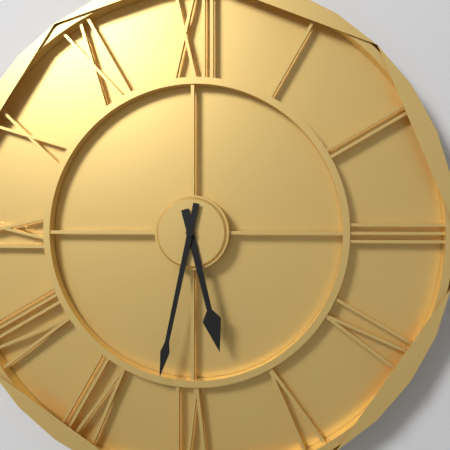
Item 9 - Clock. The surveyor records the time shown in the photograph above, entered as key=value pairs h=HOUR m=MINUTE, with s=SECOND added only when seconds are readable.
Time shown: h=5 m=32
